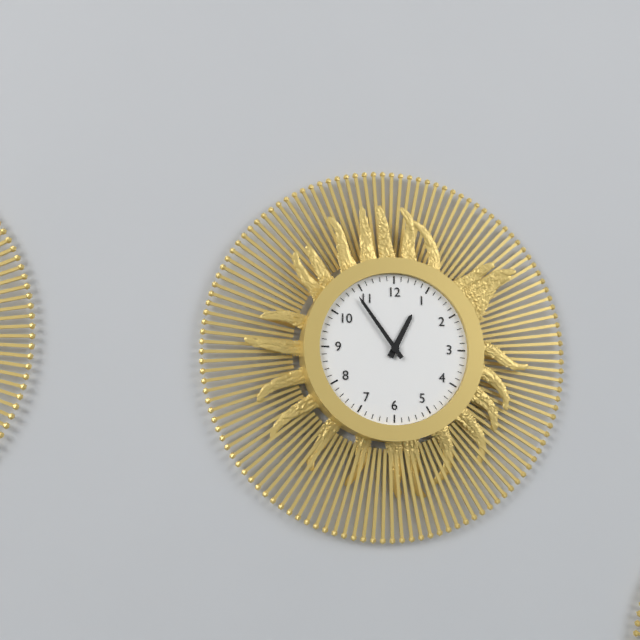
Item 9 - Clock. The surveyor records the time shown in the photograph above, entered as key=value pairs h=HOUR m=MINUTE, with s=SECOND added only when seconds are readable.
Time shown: h=12 m=54
